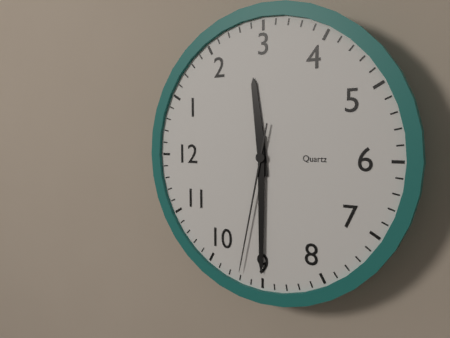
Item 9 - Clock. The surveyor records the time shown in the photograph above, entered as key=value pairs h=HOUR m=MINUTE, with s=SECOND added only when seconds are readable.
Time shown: h=2 m=45 s=47
